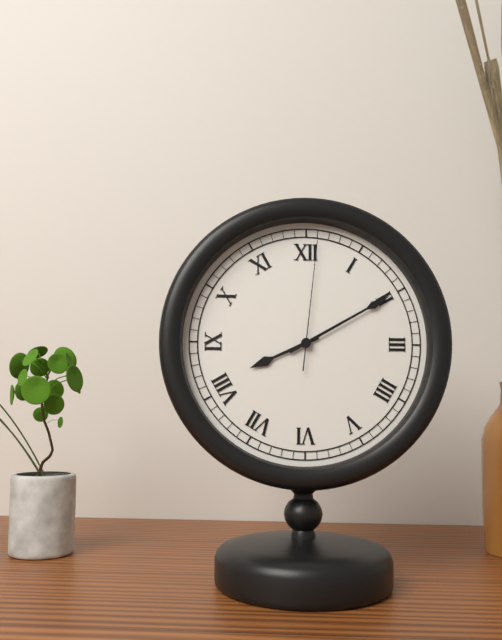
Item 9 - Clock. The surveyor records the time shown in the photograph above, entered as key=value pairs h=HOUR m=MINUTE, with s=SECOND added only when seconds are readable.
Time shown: h=8 m=10 s=1
